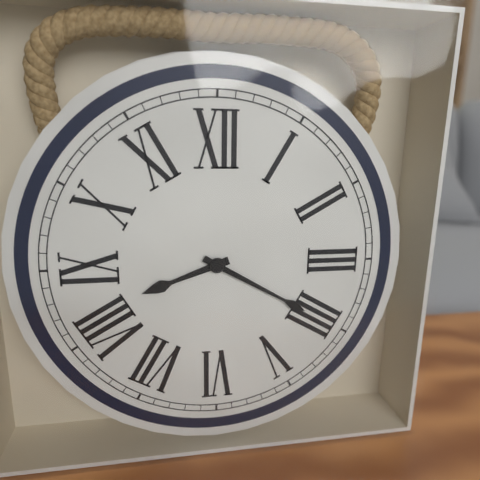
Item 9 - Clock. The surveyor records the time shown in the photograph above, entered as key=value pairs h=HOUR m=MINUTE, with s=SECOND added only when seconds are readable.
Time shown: h=8 m=20
